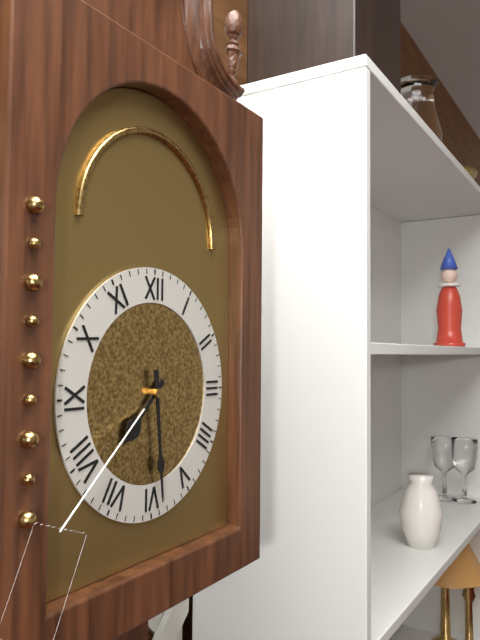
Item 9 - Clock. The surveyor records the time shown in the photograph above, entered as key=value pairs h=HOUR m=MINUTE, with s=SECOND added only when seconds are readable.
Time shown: h=7 m=29
